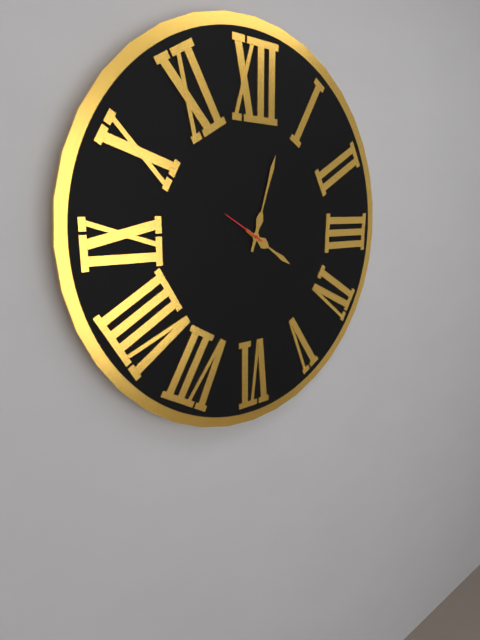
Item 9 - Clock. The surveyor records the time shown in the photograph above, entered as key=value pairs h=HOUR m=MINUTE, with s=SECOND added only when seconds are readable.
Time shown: h=4 m=3
